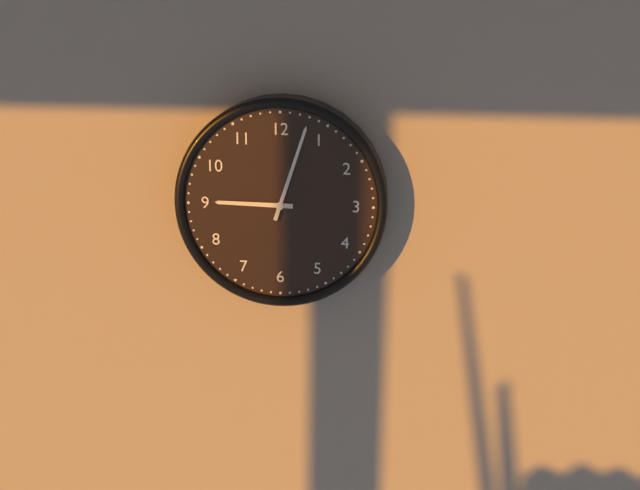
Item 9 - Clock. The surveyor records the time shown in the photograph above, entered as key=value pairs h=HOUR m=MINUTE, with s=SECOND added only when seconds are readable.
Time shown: h=9 m=3
